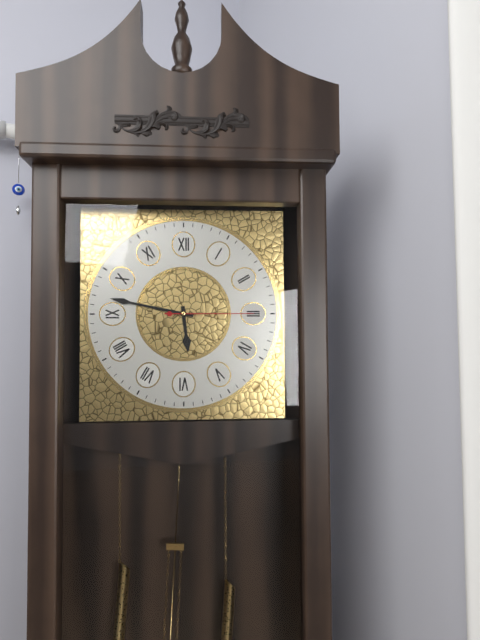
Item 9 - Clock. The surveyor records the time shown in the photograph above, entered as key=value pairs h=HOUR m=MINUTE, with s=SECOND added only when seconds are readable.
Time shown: h=5 m=47 s=15
